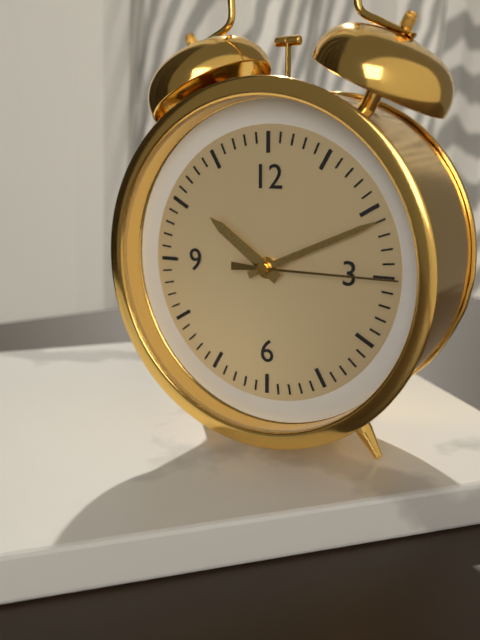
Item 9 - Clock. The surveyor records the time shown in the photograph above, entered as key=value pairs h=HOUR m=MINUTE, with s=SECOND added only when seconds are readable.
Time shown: h=10 m=11 s=15
